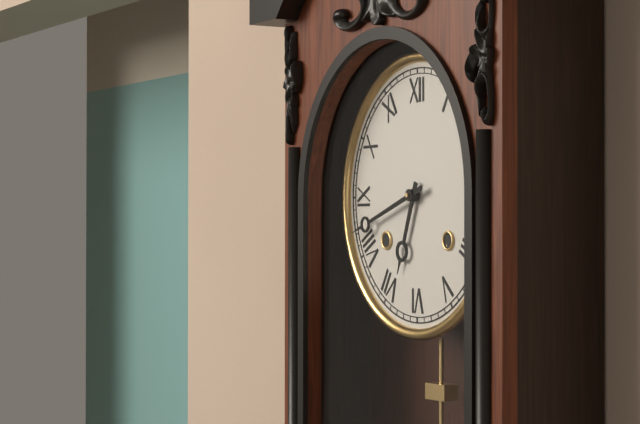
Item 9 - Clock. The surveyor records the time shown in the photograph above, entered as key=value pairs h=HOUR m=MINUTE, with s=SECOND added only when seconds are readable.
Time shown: h=6 m=42
